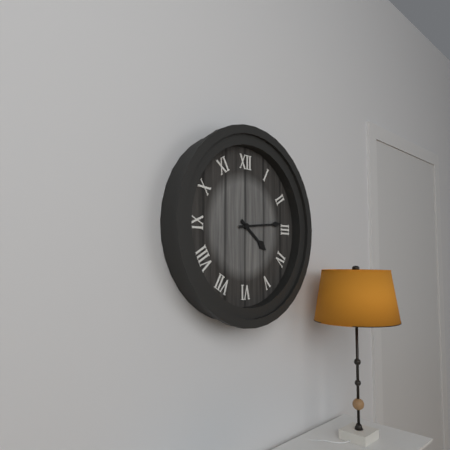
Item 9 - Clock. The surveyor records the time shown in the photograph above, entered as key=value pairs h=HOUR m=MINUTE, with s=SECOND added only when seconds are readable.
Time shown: h=4 m=14
